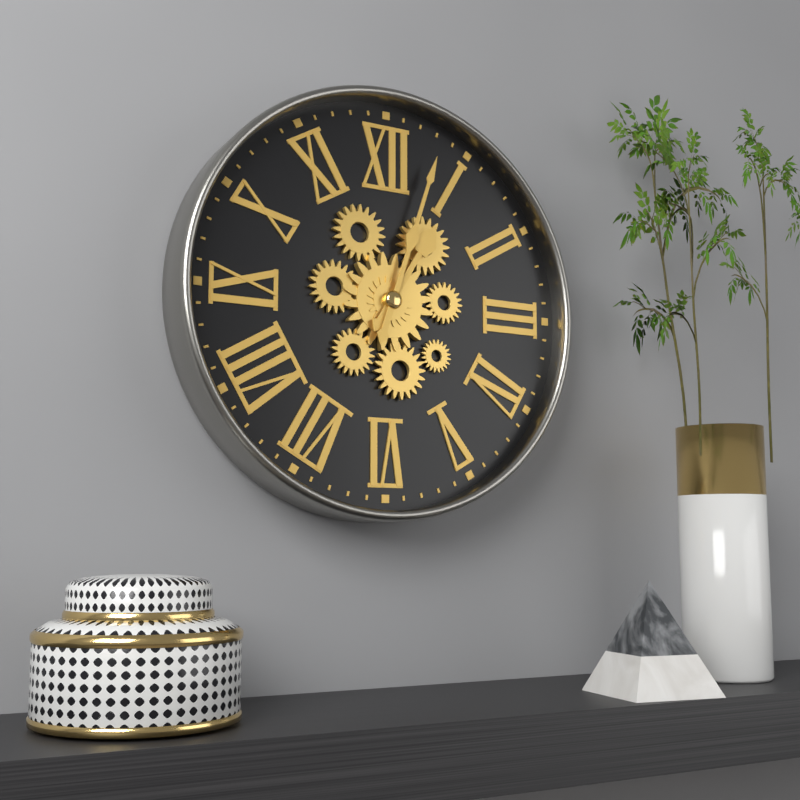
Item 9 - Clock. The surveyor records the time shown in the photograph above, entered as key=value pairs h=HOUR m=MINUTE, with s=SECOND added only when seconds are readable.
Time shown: h=1 m=3
